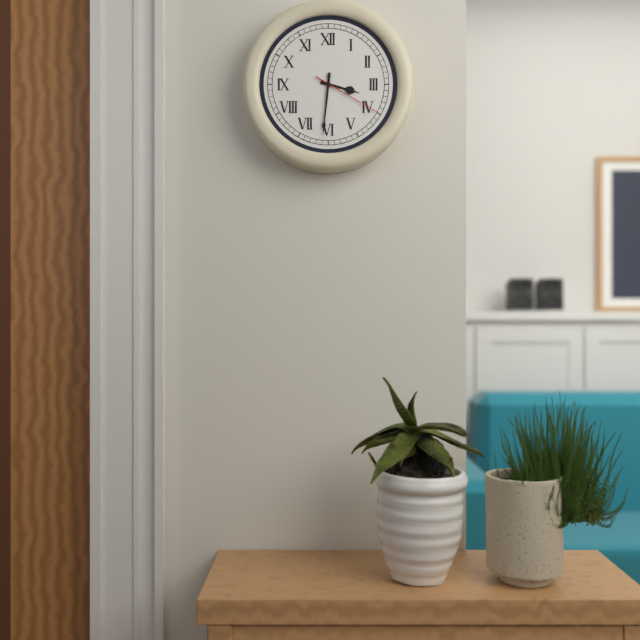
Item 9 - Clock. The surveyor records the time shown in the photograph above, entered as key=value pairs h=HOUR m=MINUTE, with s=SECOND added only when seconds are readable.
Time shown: h=3 m=31 s=20
